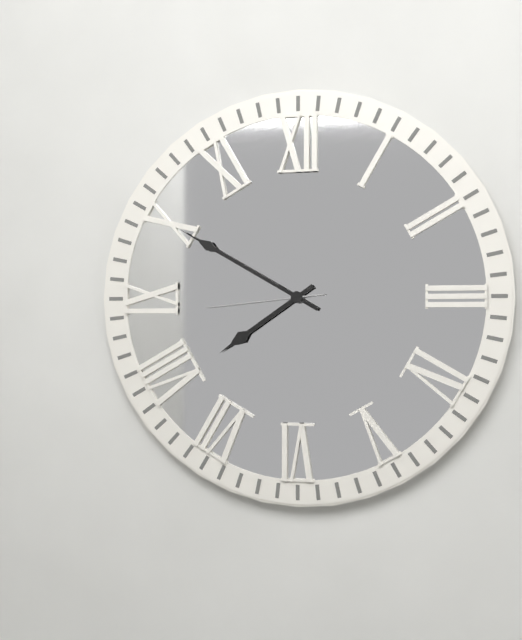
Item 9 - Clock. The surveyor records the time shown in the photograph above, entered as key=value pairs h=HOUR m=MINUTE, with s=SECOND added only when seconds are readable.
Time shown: h=7 m=50 s=44
